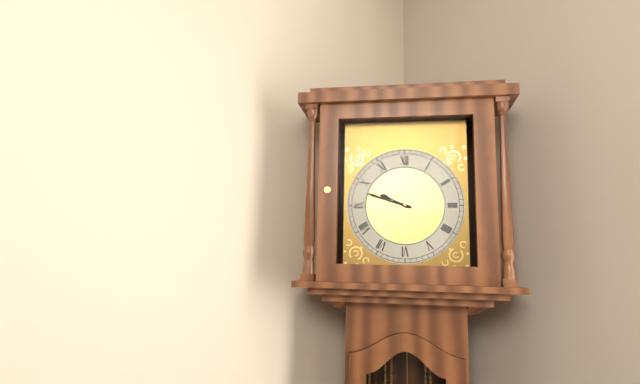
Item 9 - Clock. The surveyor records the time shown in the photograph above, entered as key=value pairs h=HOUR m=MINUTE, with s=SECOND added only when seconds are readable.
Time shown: h=9 m=48
